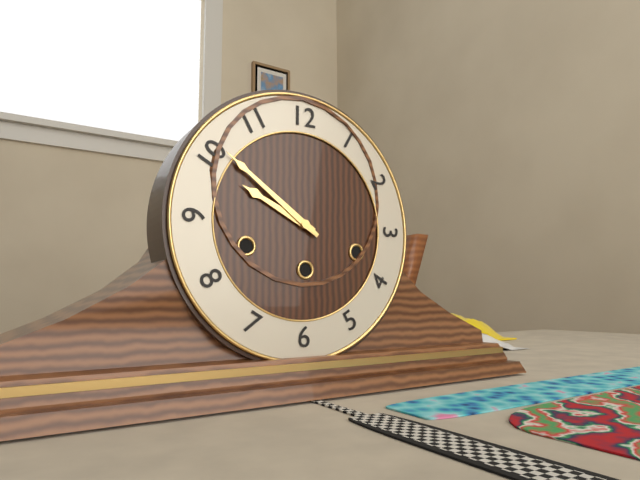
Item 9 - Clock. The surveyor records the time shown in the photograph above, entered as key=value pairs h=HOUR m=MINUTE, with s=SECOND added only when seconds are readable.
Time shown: h=9 m=51
